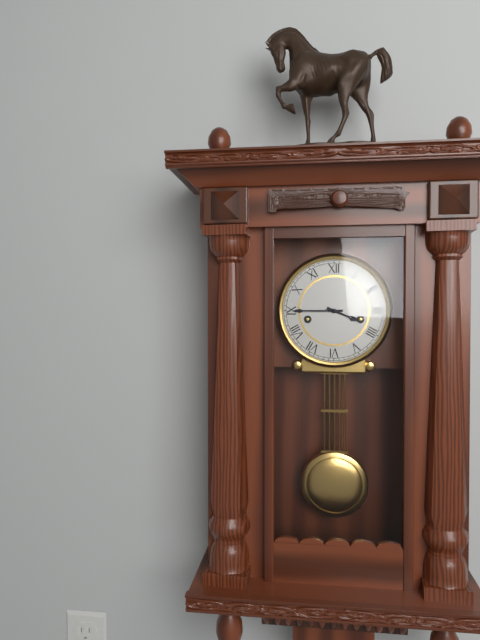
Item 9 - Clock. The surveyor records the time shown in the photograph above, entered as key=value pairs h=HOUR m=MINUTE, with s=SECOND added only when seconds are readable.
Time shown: h=3 m=45
